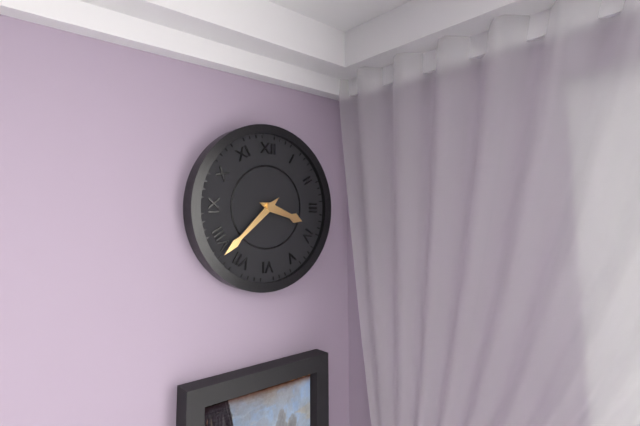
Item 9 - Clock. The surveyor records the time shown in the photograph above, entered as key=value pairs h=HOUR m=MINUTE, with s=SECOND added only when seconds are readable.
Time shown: h=3 m=38
